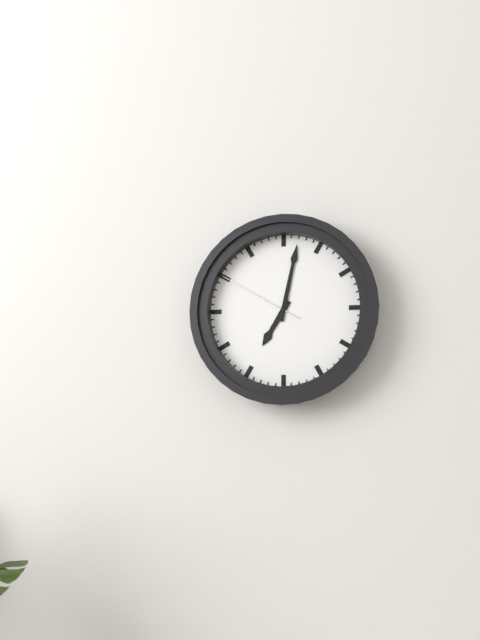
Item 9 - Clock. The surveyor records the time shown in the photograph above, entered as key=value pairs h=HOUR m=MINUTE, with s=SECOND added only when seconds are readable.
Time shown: h=7 m=2 s=50
